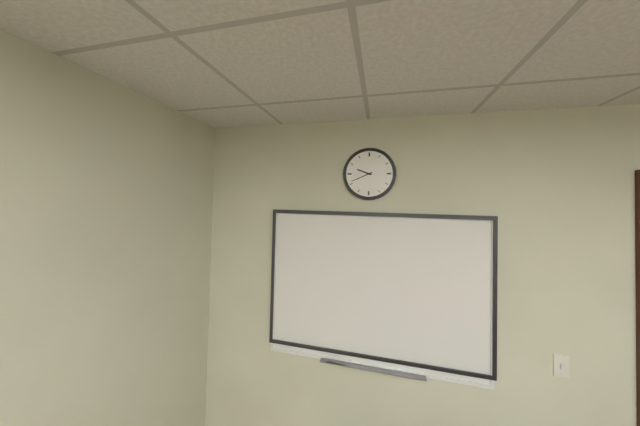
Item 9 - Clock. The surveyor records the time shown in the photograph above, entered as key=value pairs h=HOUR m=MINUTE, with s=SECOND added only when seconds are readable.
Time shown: h=9 m=41
